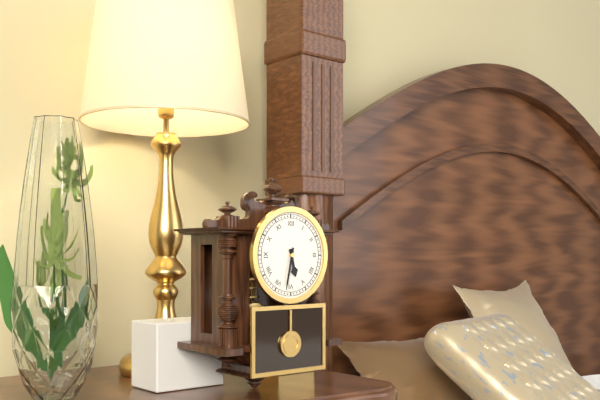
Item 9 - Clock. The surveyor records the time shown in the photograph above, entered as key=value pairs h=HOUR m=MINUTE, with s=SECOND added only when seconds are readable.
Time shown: h=5 m=32
